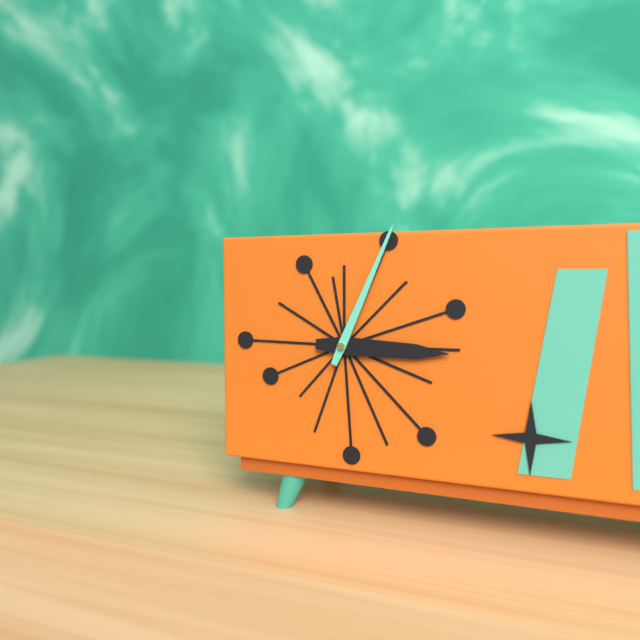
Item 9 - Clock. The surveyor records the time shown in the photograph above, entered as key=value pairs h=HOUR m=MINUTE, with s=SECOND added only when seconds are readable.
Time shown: h=3 m=4
